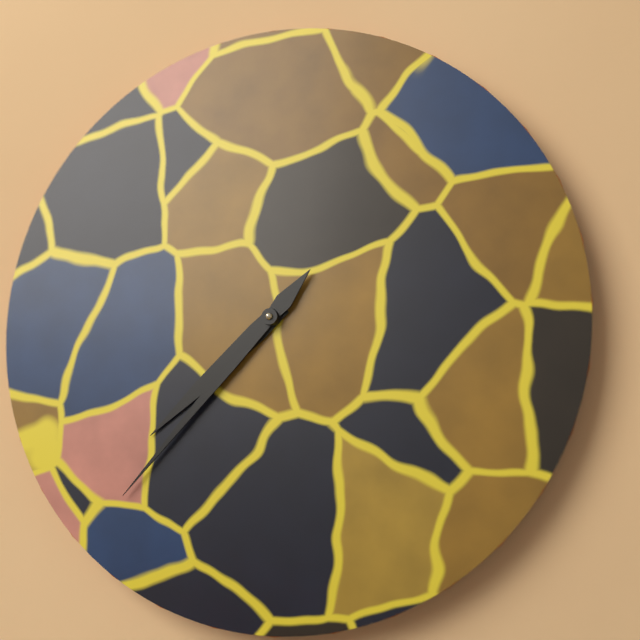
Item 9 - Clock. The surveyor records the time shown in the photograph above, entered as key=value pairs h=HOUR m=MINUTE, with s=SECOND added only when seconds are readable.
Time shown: h=7 m=37
